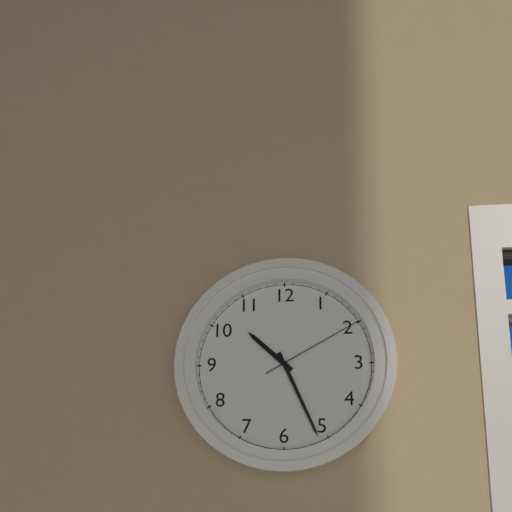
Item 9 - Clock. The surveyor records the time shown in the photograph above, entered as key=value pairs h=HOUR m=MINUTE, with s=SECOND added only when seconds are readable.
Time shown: h=10 m=26 s=10
